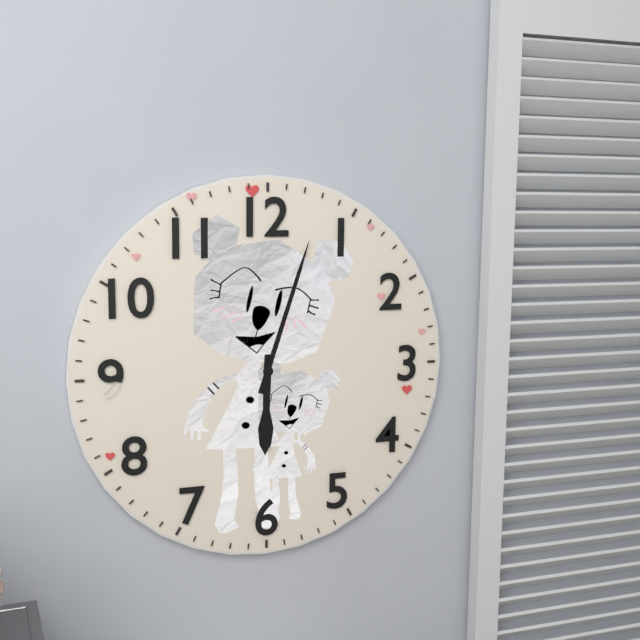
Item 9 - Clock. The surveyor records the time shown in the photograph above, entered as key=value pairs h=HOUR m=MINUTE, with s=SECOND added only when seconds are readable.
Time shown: h=6 m=3
